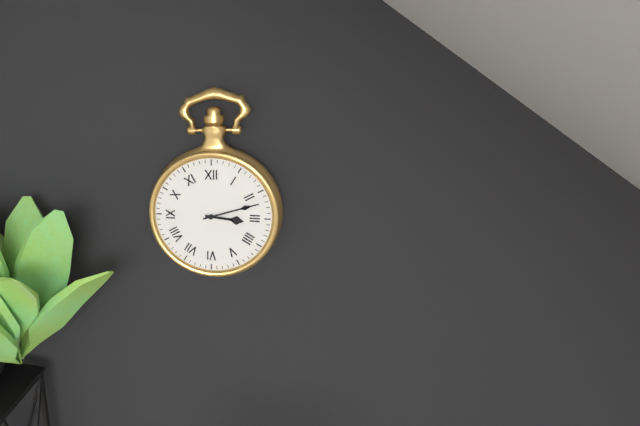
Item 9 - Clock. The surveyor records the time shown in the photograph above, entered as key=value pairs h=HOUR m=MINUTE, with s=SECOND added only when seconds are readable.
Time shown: h=3 m=12
